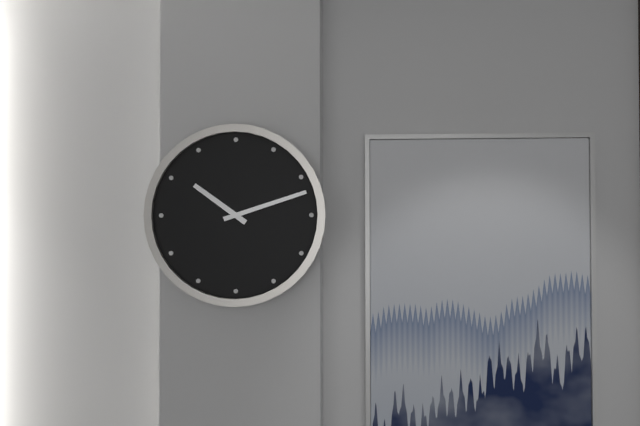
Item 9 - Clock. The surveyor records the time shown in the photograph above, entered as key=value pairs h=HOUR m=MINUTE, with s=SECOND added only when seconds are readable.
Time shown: h=10 m=12
